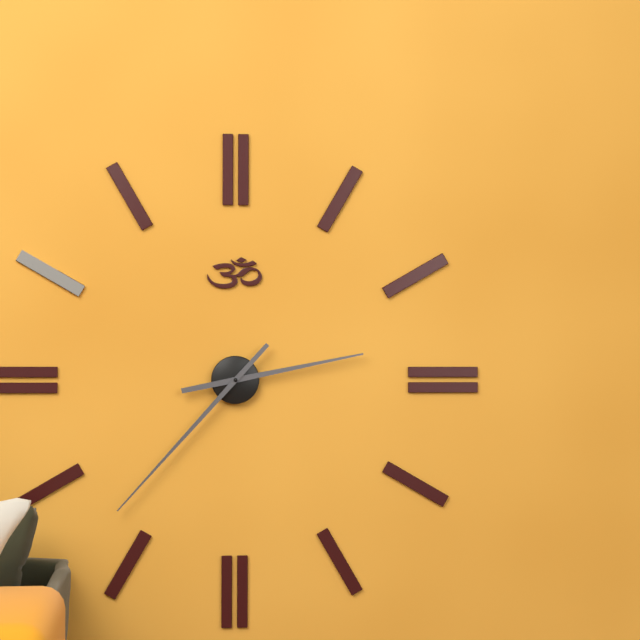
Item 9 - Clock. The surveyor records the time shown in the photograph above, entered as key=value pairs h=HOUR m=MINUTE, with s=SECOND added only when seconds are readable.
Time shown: h=2 m=37
